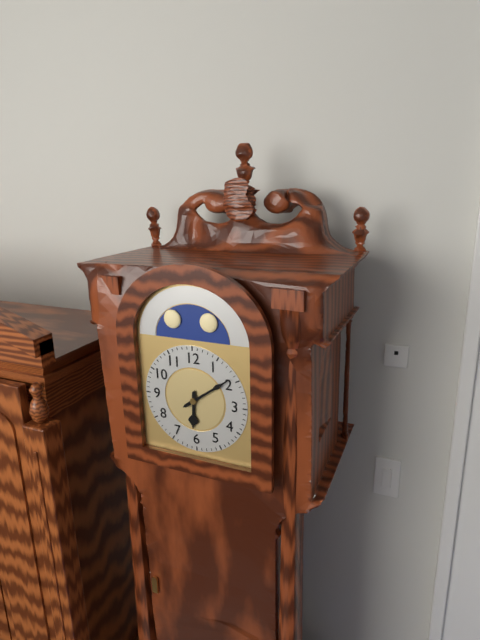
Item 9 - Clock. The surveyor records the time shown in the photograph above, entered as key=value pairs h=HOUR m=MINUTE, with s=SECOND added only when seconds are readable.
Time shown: h=6 m=9
